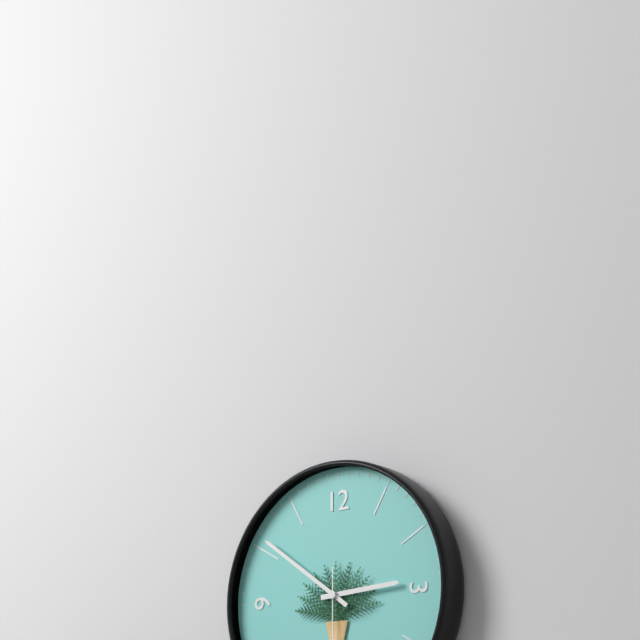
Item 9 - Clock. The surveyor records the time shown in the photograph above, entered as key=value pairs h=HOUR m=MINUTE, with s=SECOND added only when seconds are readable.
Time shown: h=2 m=51
